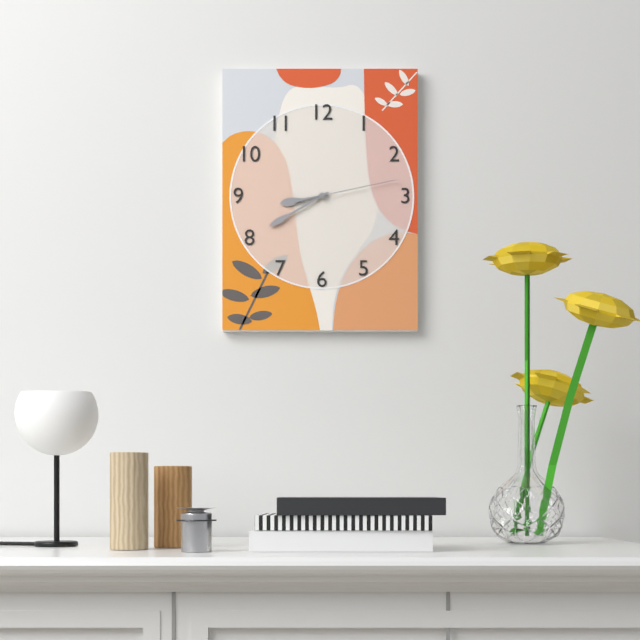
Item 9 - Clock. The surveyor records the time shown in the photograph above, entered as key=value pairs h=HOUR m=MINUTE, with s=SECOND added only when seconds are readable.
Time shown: h=8 m=40 s=13
